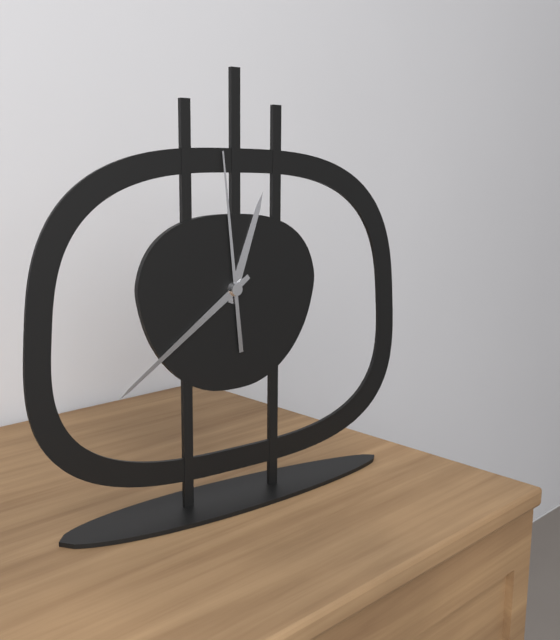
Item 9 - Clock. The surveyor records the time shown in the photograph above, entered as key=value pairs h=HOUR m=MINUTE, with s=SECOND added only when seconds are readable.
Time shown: h=12 m=39 s=59
